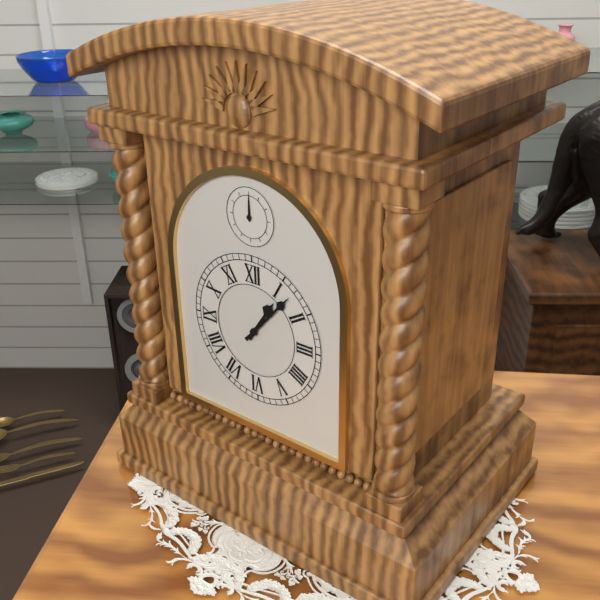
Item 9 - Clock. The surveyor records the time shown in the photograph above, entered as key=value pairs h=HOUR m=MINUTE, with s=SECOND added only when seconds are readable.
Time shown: h=1 m=7
